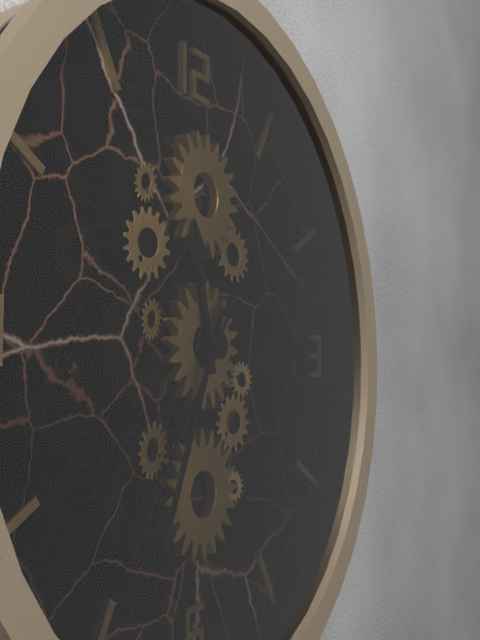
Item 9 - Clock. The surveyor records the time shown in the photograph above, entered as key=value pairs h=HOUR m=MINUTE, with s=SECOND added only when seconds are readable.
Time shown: h=11 m=34 s=36
